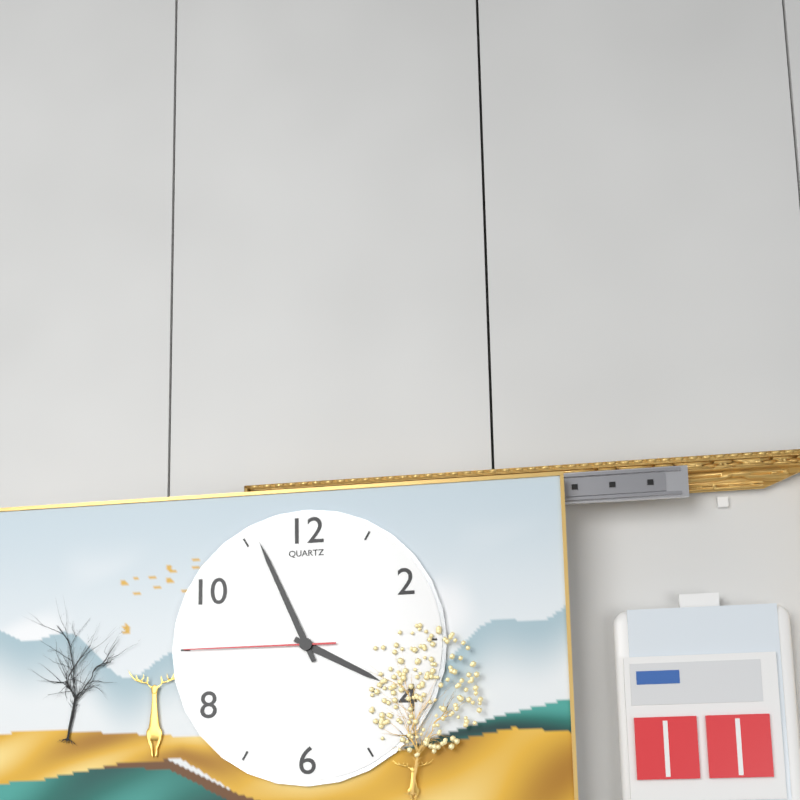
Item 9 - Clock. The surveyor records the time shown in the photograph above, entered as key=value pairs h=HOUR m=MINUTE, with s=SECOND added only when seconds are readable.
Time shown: h=3 m=56 s=45
